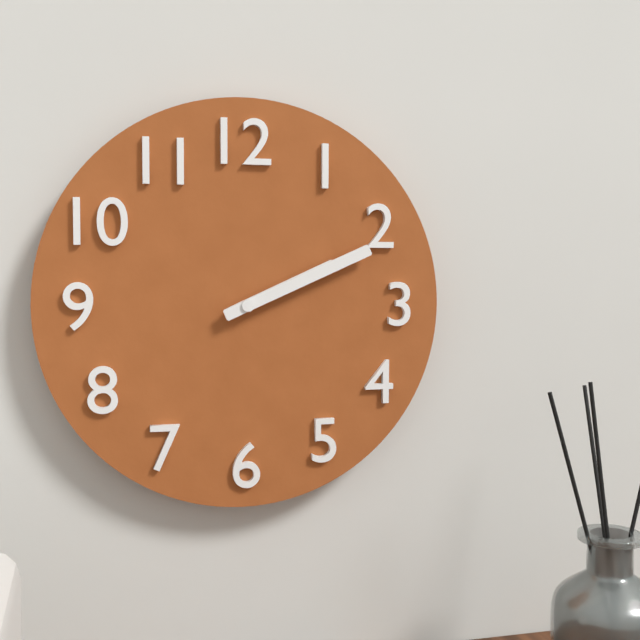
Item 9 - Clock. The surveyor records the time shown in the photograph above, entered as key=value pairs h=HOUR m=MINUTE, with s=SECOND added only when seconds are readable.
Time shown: h=2 m=11
